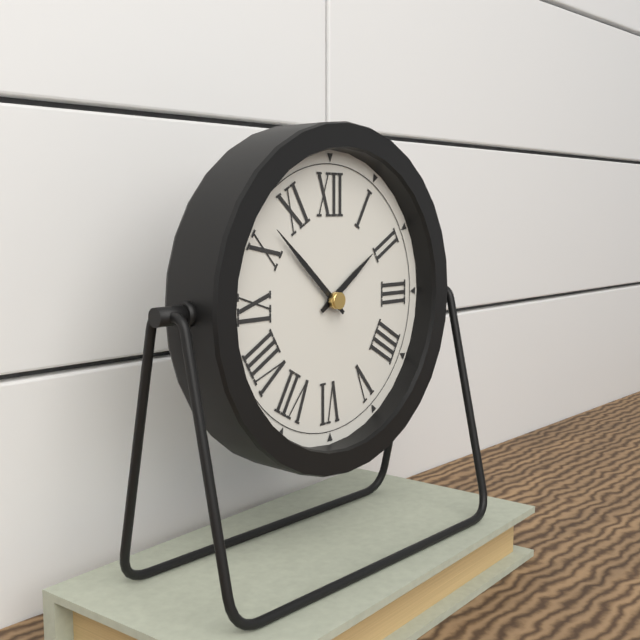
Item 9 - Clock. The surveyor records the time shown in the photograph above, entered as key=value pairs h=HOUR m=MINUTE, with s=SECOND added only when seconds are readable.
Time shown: h=1 m=52
